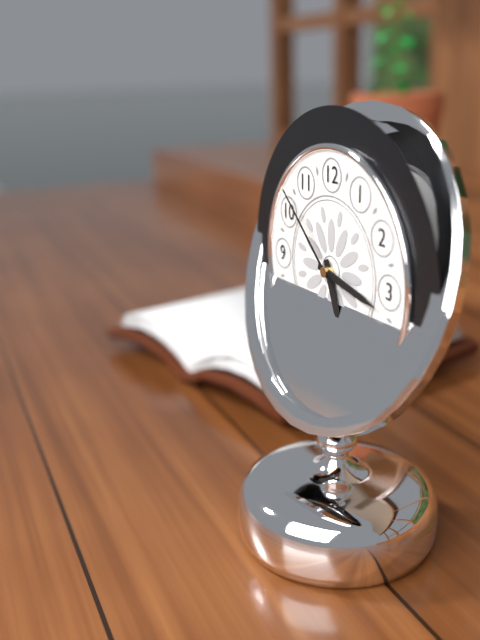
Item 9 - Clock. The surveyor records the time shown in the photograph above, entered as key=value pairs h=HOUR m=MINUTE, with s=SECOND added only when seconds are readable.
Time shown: h=5 m=17 s=52
